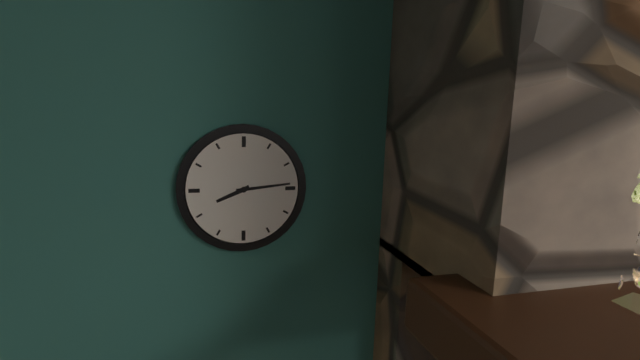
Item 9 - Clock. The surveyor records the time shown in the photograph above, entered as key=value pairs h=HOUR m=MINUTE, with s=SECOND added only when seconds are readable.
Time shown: h=8 m=14
